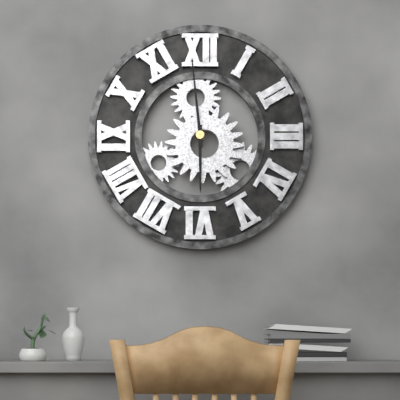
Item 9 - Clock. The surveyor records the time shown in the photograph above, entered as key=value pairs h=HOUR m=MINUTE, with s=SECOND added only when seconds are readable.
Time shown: h=5 m=59
